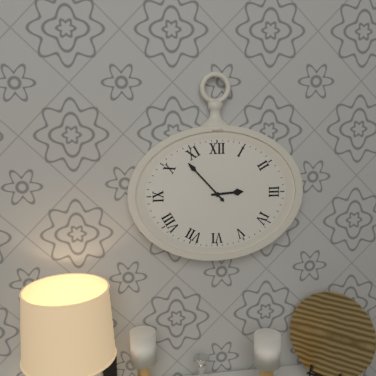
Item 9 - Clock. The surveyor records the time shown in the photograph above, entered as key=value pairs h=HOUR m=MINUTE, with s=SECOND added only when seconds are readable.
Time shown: h=2 m=53
